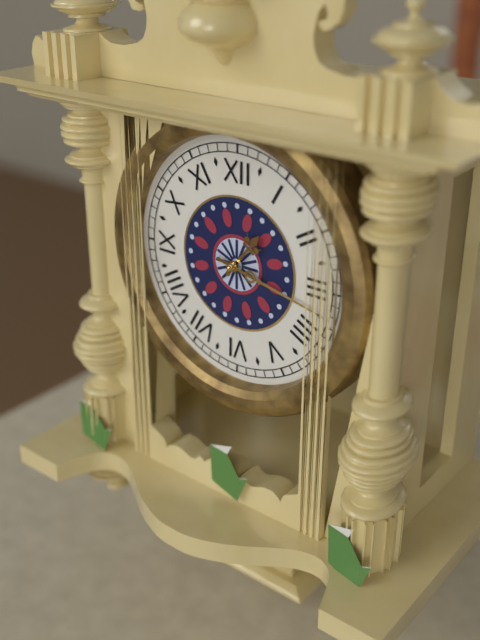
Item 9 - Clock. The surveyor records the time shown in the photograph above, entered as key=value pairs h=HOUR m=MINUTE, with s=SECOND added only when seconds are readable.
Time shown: h=1 m=17
